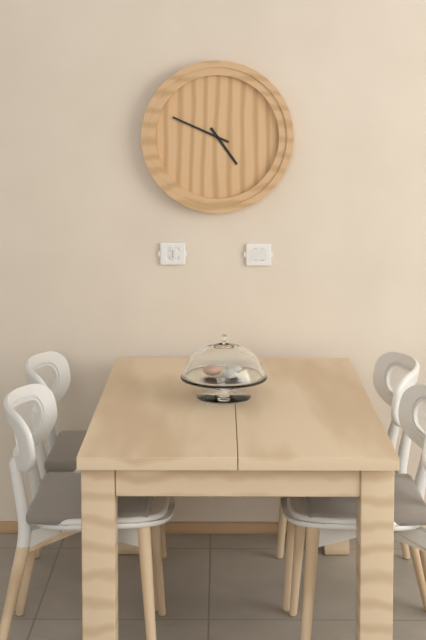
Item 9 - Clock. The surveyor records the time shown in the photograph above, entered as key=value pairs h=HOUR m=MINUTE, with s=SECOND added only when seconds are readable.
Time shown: h=4 m=49
